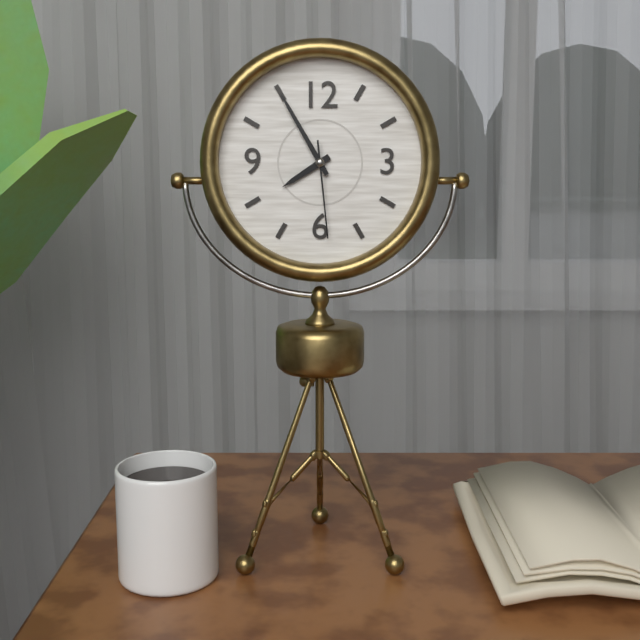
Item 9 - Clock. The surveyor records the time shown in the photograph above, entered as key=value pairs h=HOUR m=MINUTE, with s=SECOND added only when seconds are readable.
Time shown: h=7 m=55 s=29
